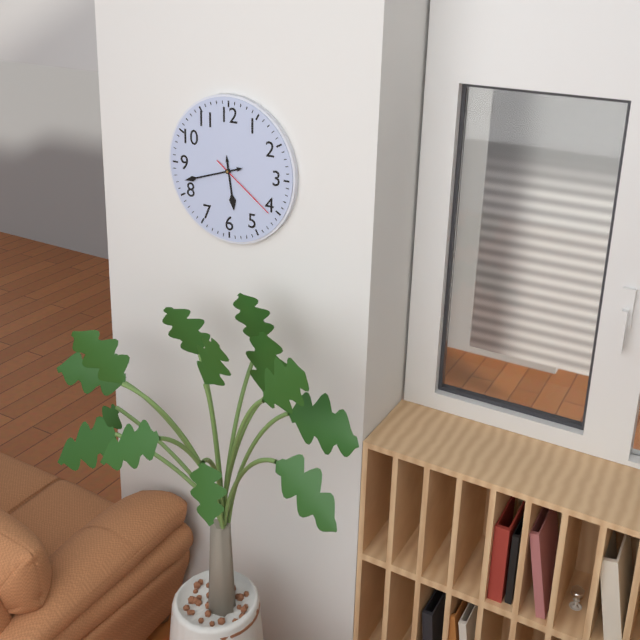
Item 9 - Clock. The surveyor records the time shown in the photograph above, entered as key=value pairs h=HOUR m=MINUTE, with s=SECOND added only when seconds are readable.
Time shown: h=5 m=42 s=21
